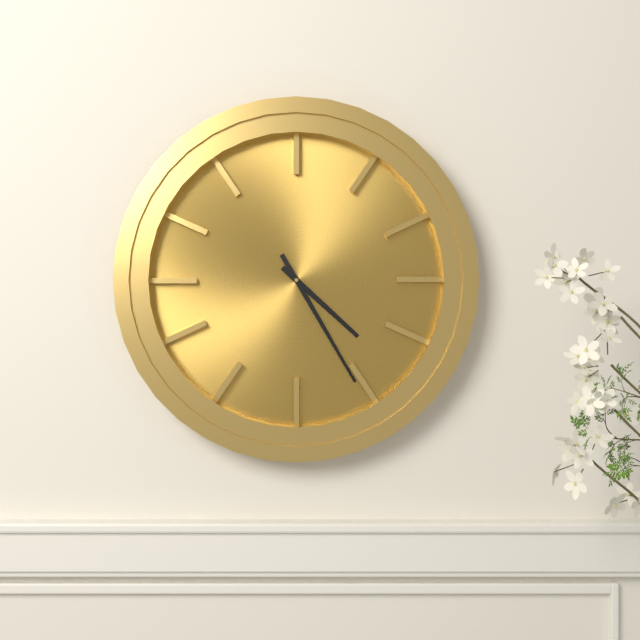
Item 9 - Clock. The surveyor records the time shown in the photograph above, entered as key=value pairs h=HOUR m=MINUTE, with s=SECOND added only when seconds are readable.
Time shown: h=4 m=25
